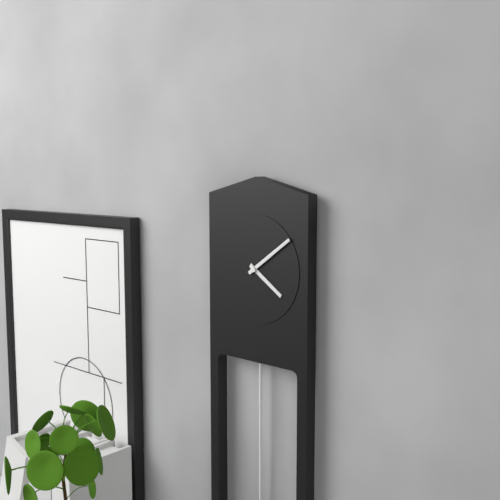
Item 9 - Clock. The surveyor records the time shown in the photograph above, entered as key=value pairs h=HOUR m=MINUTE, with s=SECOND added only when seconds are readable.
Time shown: h=4 m=9
